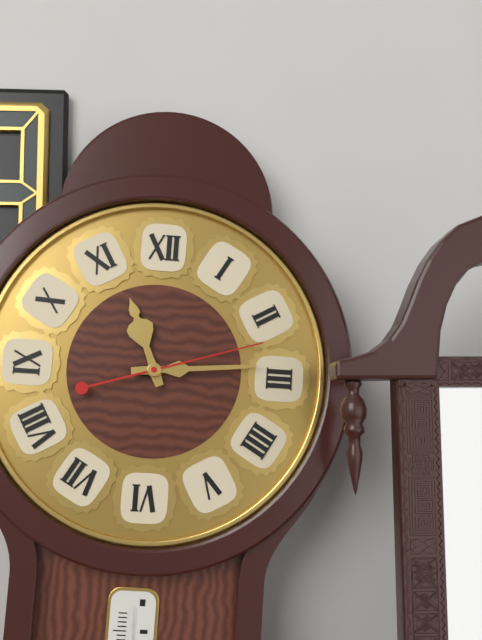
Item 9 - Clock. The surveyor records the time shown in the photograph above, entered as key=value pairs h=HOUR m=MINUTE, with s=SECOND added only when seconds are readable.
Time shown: h=11 m=14 s=12
